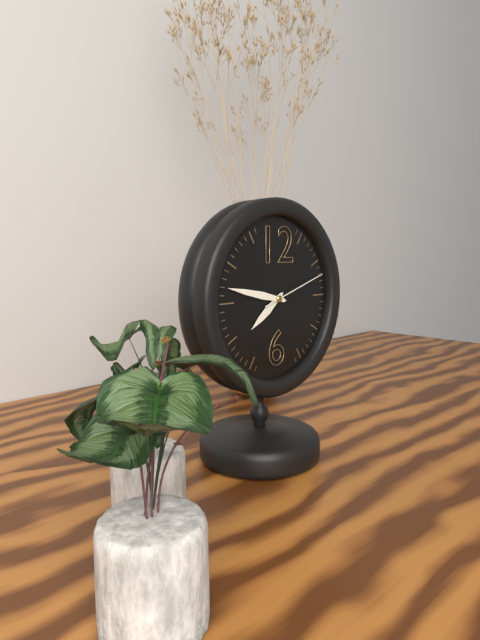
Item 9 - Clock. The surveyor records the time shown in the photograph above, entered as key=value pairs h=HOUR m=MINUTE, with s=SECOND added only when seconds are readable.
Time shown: h=7 m=47 s=12
